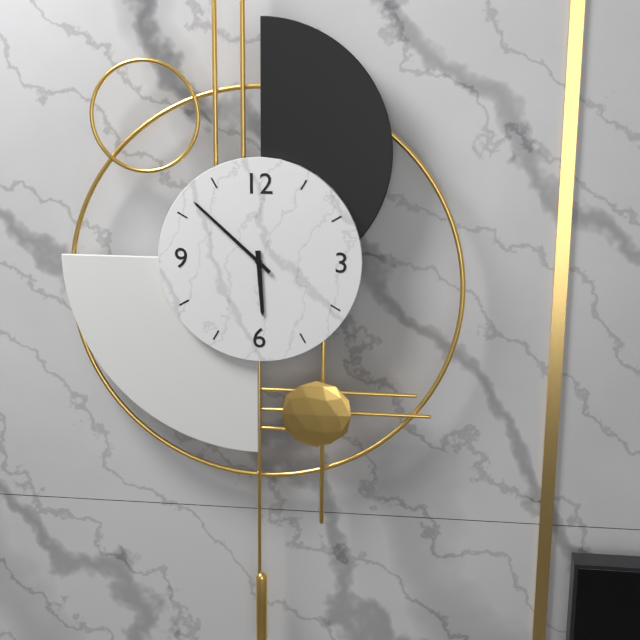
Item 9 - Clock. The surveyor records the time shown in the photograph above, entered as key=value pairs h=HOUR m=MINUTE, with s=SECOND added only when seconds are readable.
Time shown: h=5 m=52
